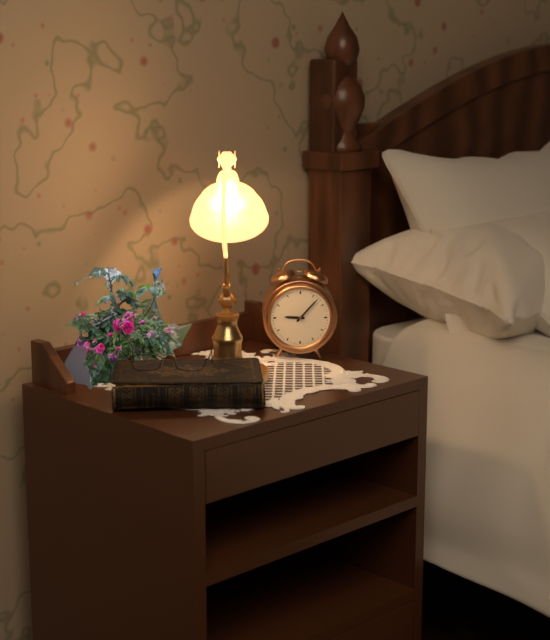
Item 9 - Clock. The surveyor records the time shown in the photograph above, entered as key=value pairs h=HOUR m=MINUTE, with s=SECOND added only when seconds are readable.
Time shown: h=9 m=7
